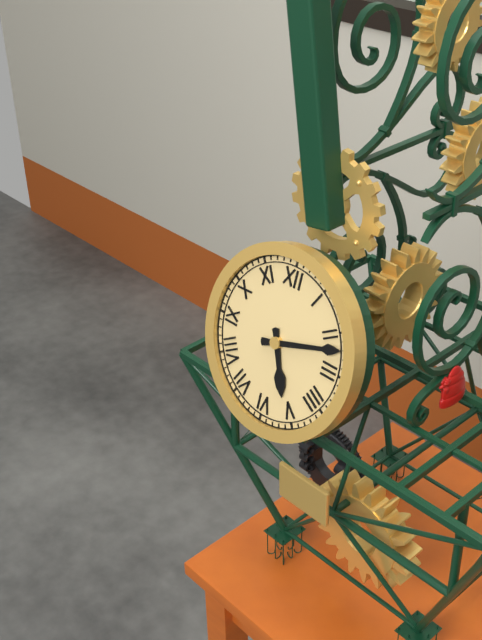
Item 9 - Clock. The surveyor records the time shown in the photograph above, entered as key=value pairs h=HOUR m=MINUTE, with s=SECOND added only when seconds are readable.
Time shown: h=5 m=12
